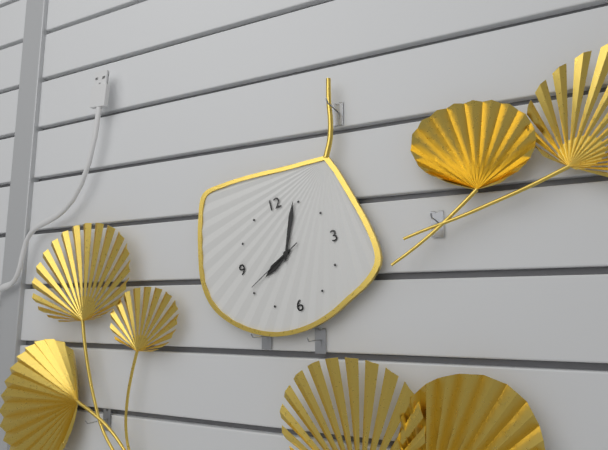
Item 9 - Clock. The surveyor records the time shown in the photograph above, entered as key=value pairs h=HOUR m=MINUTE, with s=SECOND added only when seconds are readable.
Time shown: h=8 m=4 s=41
